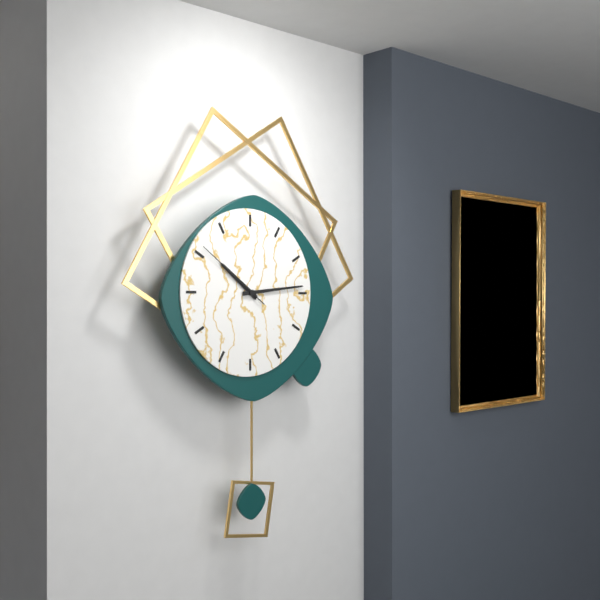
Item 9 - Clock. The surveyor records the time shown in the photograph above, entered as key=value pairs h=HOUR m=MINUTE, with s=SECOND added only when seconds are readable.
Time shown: h=10 m=14 s=51
